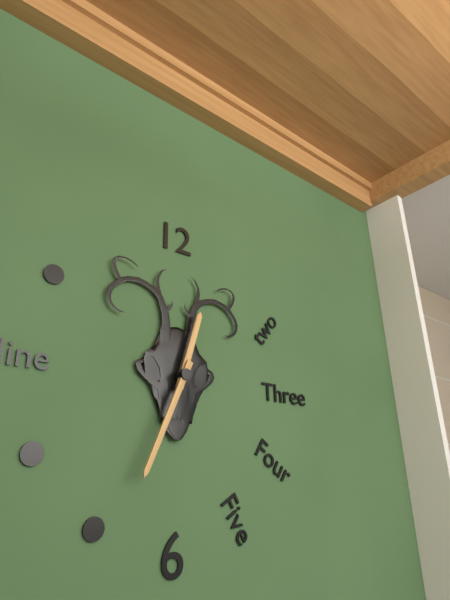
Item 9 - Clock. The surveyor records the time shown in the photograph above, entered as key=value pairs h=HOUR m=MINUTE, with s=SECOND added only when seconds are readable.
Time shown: h=12 m=34
